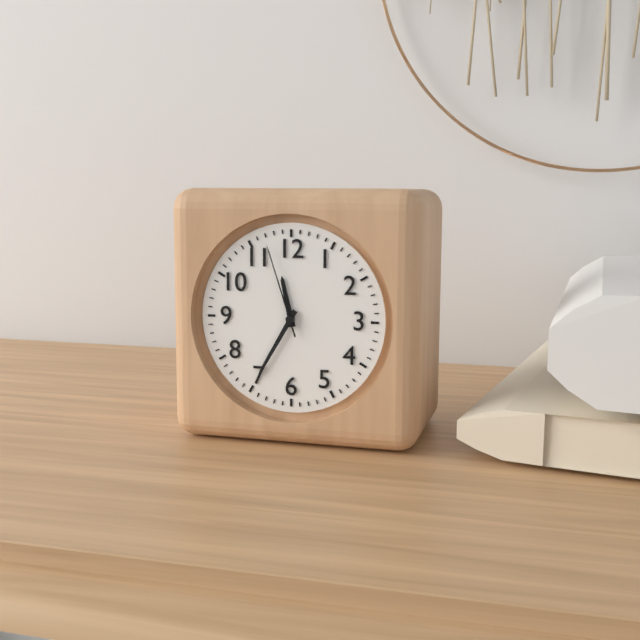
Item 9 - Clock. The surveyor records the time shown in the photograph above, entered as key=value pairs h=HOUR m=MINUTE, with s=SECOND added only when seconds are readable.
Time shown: h=11 m=35 s=57
